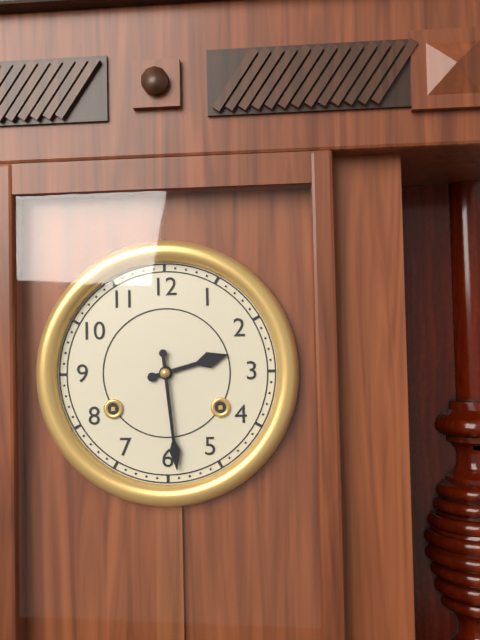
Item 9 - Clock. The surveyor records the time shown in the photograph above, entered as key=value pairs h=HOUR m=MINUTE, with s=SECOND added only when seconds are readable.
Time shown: h=2 m=29
